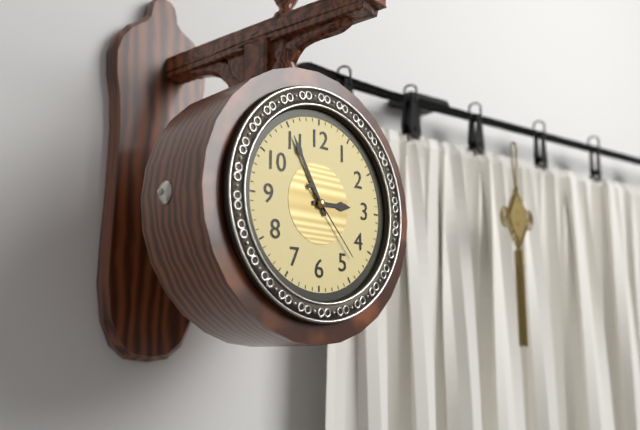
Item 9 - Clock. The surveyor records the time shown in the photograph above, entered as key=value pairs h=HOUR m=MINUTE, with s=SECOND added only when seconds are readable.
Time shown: h=2 m=55 s=23
